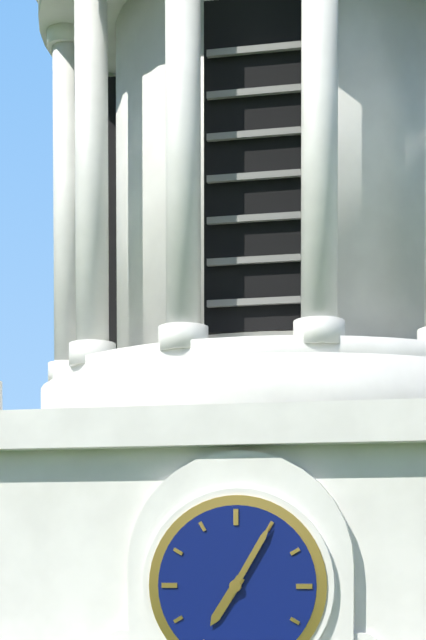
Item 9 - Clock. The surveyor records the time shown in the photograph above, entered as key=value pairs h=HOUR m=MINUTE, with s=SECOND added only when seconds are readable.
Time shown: h=7 m=5
